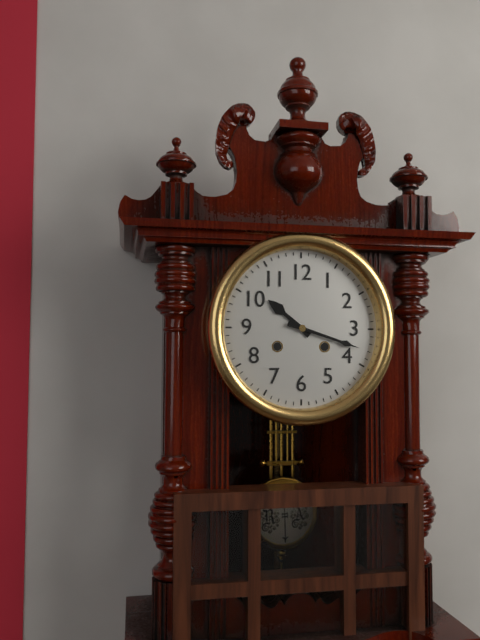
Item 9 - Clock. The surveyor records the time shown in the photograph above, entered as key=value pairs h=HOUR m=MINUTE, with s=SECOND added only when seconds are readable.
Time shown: h=10 m=18
